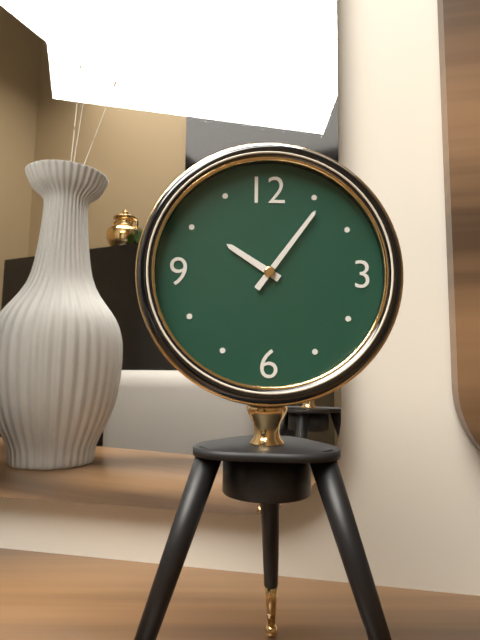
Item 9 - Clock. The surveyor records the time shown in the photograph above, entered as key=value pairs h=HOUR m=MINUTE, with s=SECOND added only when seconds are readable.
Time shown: h=10 m=6
